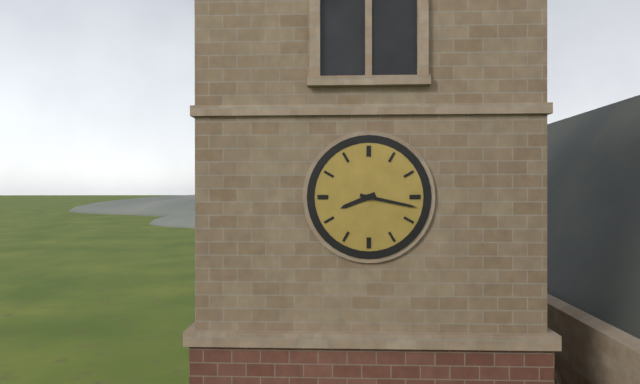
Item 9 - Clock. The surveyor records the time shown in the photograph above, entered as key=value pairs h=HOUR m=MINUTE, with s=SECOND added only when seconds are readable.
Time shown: h=8 m=17
